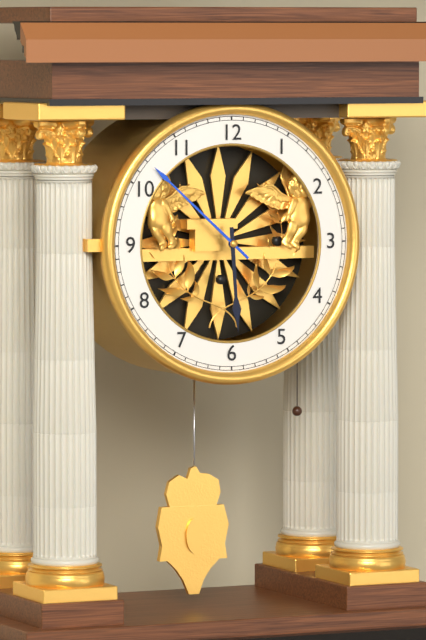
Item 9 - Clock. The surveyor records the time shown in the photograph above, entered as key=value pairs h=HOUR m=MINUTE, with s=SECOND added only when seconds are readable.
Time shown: h=5 m=52
